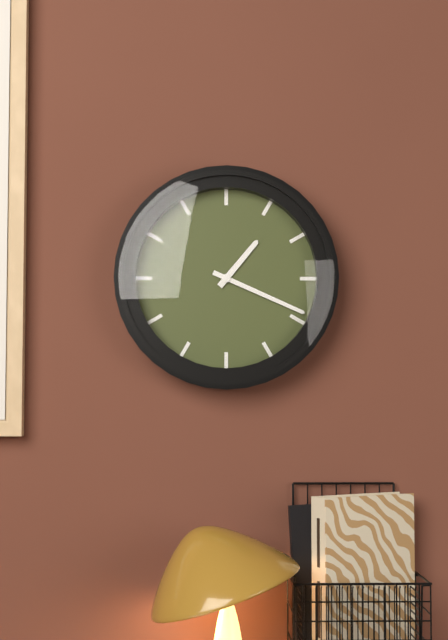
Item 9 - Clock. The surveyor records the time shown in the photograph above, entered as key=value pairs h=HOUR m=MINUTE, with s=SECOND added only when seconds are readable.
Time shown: h=1 m=19
